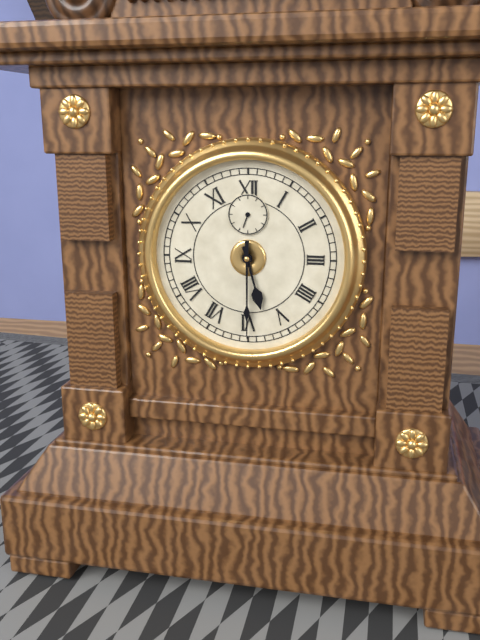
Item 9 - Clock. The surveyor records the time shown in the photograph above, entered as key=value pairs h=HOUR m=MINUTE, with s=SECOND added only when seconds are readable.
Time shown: h=5 m=30
